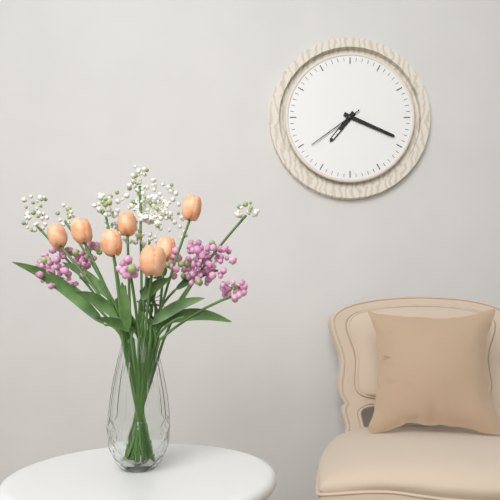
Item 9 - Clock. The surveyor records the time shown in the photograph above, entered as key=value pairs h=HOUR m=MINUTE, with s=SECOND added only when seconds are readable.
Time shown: h=7 m=19 s=39
